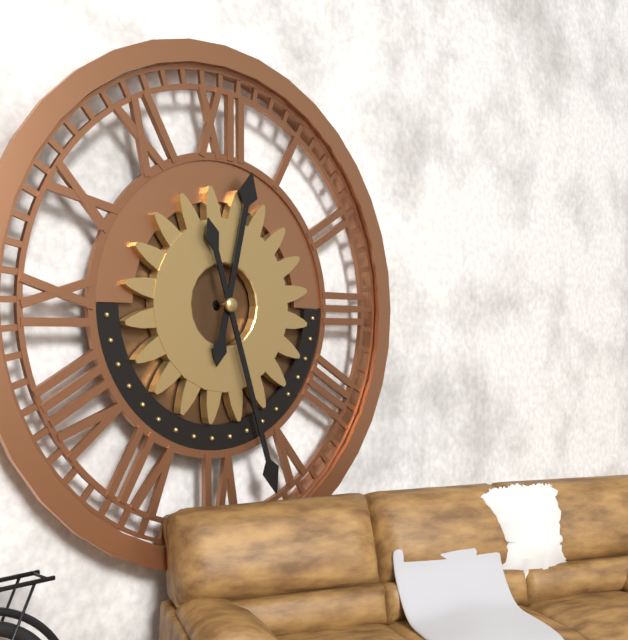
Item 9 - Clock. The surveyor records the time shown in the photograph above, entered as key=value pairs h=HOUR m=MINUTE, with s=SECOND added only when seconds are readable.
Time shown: h=12 m=27
